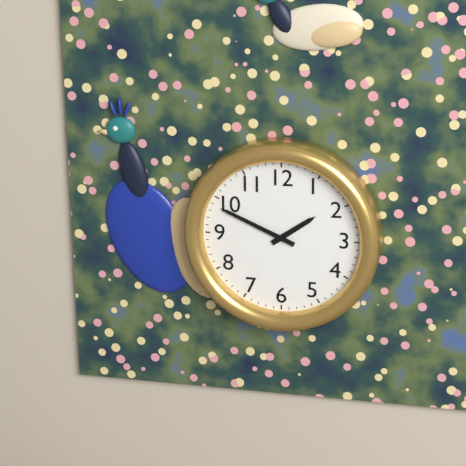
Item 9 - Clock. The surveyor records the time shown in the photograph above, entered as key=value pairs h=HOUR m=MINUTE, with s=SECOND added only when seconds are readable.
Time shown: h=1 m=49
